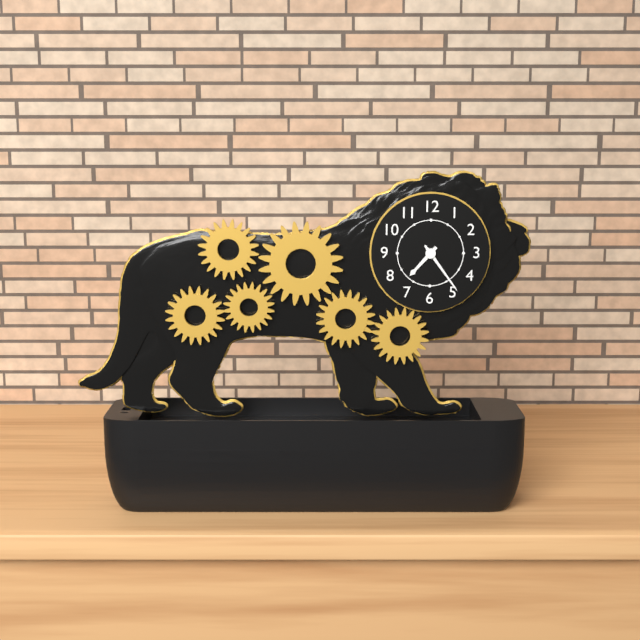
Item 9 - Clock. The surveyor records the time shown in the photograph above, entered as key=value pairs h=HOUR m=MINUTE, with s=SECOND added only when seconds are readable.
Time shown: h=7 m=24
